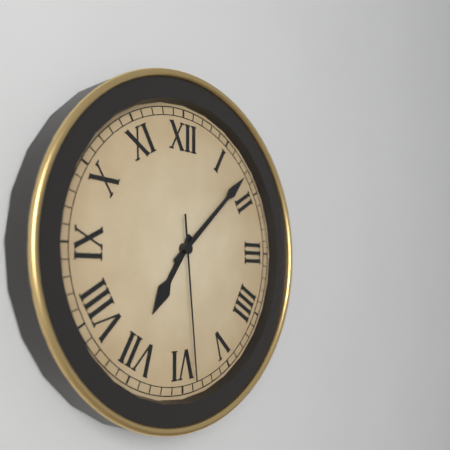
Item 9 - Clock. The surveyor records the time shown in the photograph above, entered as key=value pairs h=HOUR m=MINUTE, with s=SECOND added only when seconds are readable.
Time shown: h=7 m=8 s=29
